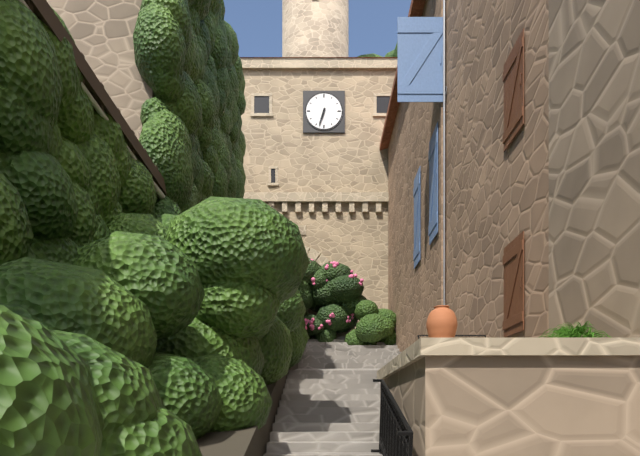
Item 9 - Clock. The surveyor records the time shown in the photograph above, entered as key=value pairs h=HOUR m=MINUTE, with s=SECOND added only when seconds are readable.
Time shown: h=6 m=33
